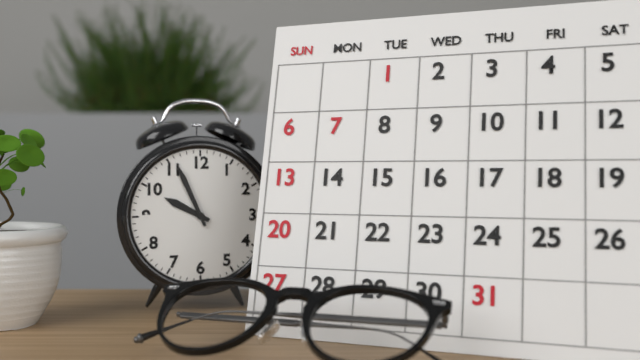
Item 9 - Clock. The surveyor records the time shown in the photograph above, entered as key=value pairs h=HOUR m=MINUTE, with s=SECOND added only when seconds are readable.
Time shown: h=9 m=56
